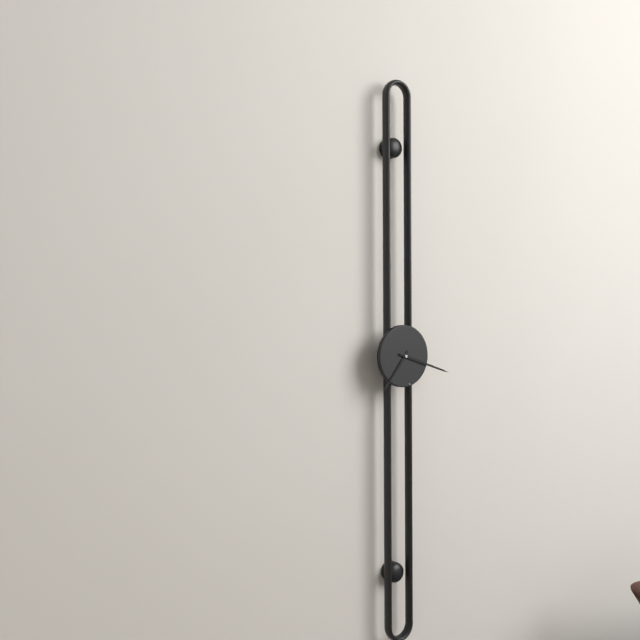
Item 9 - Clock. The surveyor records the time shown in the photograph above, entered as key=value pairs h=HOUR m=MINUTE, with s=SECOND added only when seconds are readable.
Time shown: h=7 m=18
